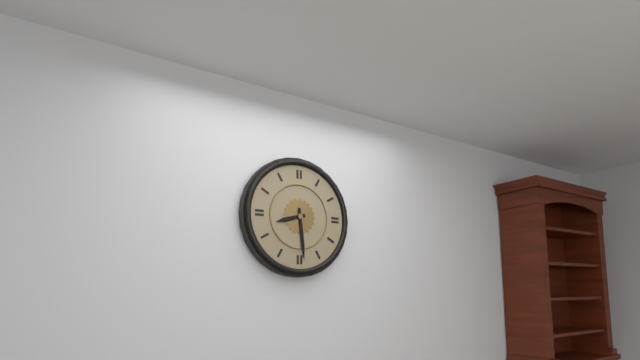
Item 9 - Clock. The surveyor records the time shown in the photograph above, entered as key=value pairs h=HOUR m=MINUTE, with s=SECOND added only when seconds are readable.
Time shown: h=8 m=29
